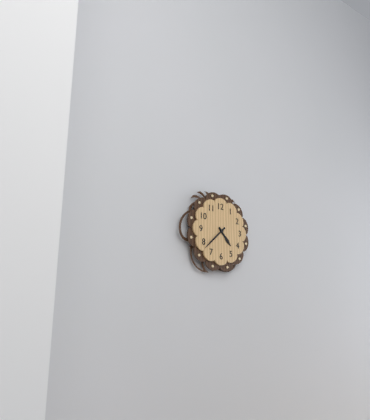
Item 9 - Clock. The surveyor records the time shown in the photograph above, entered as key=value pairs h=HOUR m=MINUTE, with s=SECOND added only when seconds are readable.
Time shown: h=4 m=38
